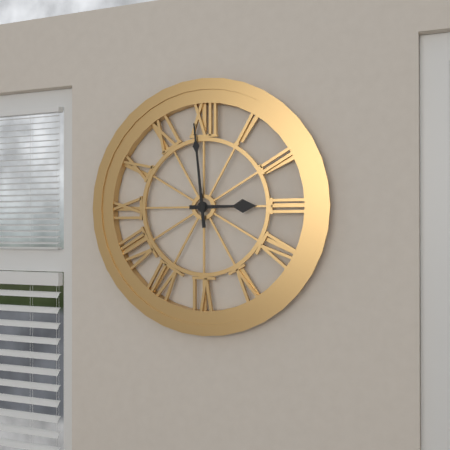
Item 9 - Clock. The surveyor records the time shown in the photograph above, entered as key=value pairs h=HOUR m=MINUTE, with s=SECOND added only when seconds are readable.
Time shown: h=2 m=59
